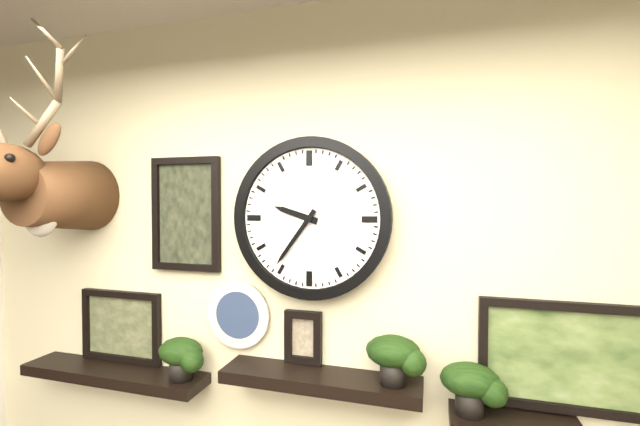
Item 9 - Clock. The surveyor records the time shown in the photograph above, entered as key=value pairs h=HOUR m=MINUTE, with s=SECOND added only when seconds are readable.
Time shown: h=9 m=36
